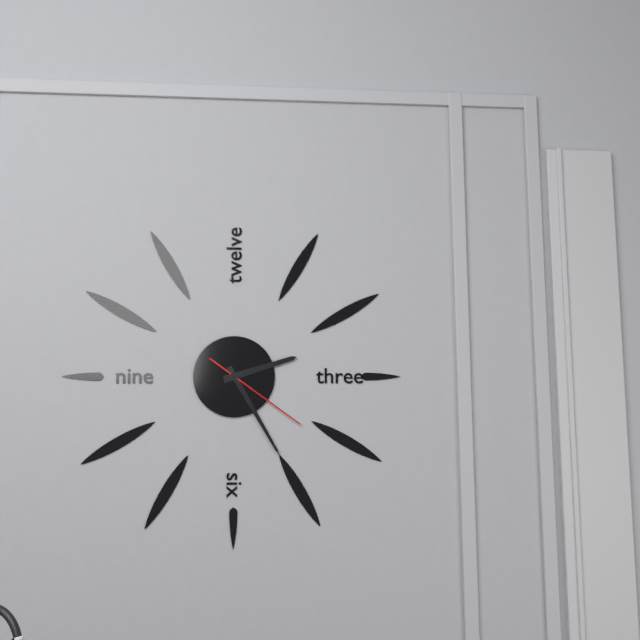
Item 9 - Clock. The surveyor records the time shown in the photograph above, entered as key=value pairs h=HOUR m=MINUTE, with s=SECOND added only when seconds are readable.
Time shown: h=2 m=25 s=21
